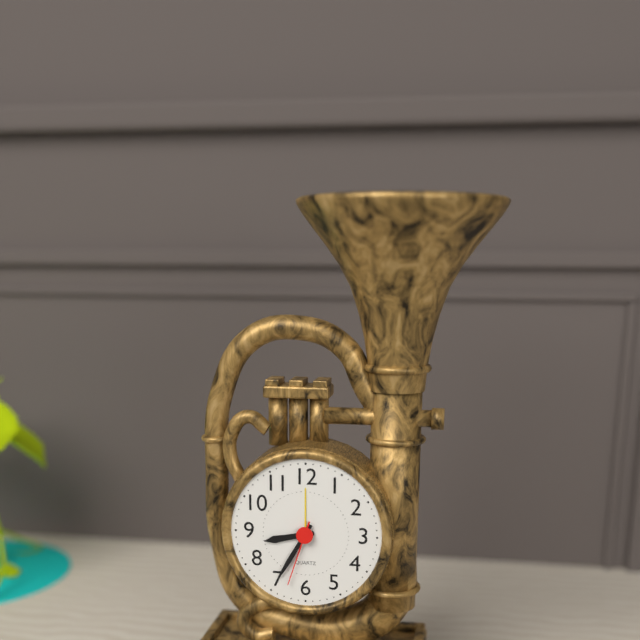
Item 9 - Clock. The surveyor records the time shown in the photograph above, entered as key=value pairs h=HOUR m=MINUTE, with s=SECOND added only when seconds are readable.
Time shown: h=8 m=35 s=33
